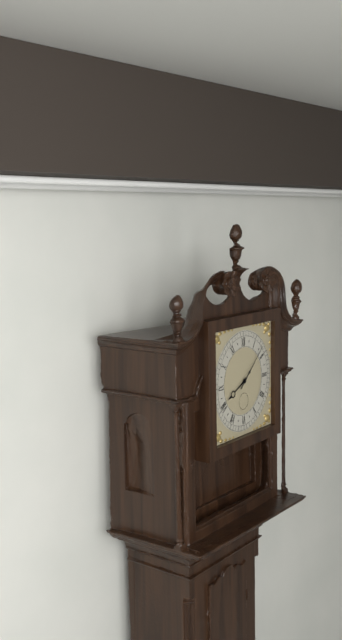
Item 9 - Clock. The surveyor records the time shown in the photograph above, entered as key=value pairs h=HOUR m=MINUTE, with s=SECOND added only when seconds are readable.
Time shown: h=8 m=8
